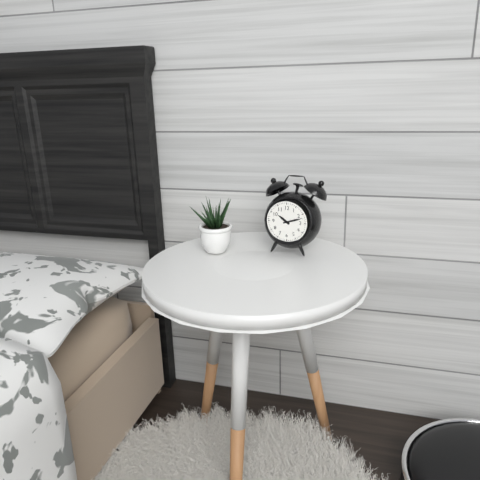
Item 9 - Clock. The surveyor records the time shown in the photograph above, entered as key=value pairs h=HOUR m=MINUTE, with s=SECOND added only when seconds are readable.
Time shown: h=10 m=12
